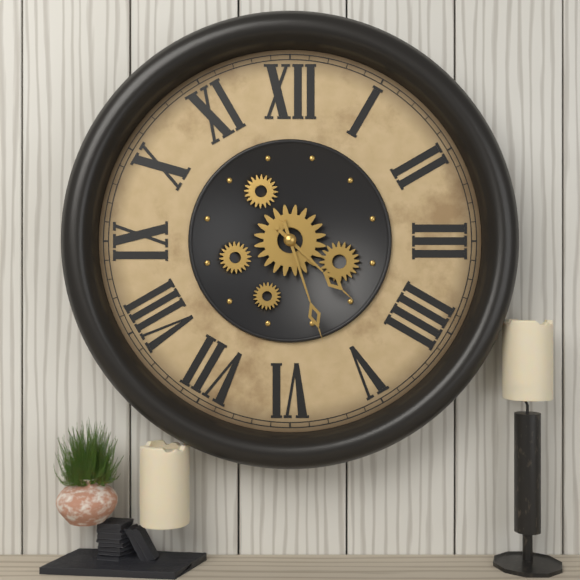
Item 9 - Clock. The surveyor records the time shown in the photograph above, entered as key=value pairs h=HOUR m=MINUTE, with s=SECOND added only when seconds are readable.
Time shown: h=4 m=27
